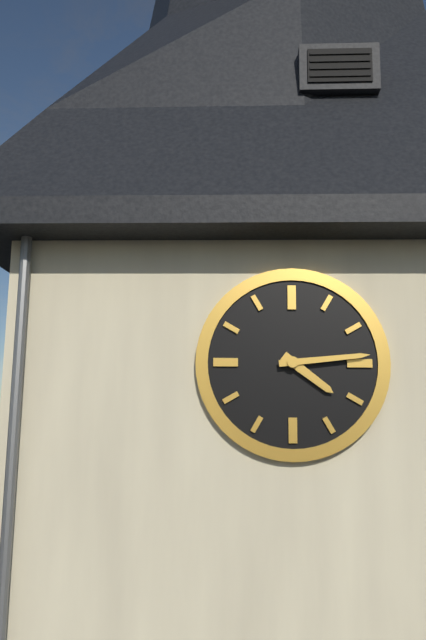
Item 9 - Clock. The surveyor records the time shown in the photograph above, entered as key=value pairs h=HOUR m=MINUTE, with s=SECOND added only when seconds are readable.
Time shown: h=4 m=14
